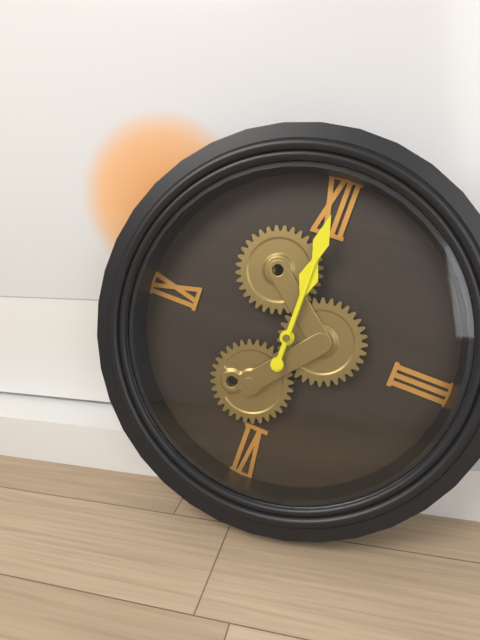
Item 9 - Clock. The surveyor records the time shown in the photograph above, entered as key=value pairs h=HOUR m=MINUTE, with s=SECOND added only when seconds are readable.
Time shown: h=12 m=0
